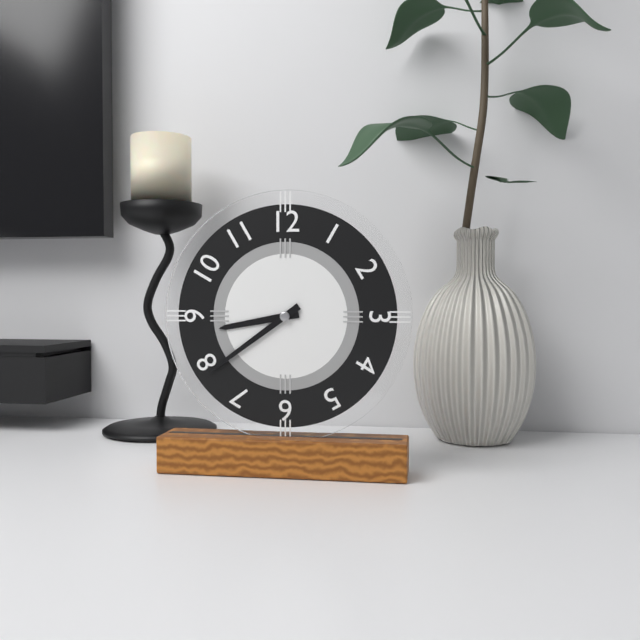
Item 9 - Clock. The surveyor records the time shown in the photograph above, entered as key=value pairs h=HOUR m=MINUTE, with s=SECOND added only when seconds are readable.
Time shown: h=8 m=39
